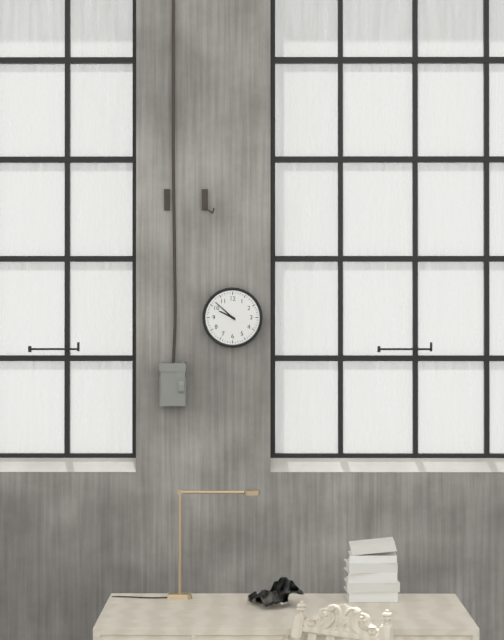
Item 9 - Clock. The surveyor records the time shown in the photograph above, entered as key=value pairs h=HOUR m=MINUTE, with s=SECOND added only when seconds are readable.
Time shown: h=9 m=52
